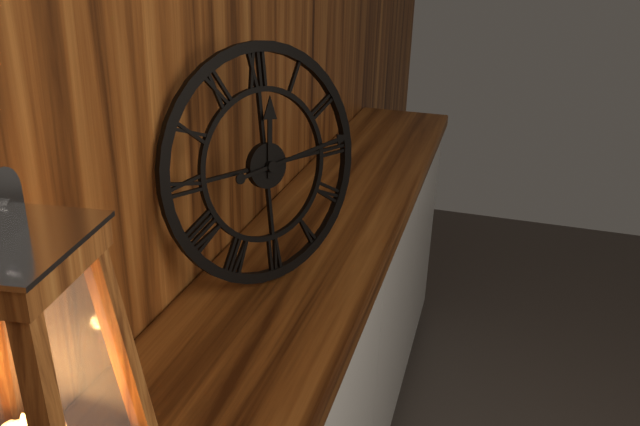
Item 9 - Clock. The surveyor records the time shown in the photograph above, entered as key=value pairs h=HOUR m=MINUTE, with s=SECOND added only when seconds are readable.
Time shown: h=12 m=14
